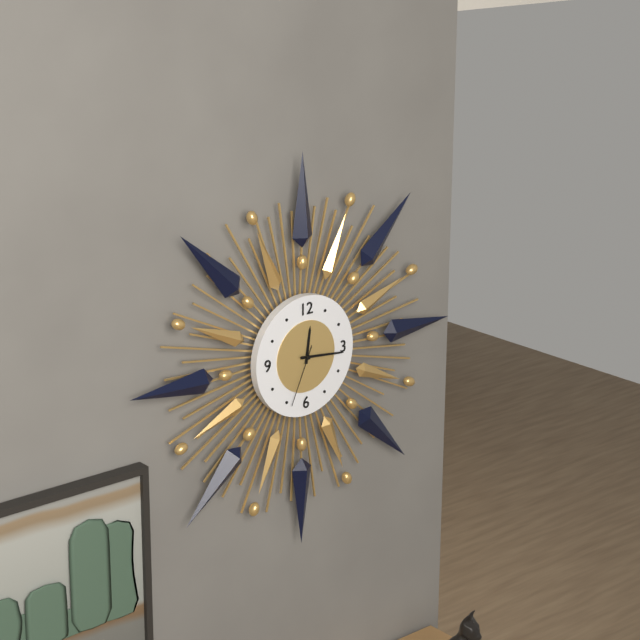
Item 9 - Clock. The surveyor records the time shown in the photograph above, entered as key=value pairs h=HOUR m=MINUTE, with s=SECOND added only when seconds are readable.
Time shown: h=12 m=16 s=34
